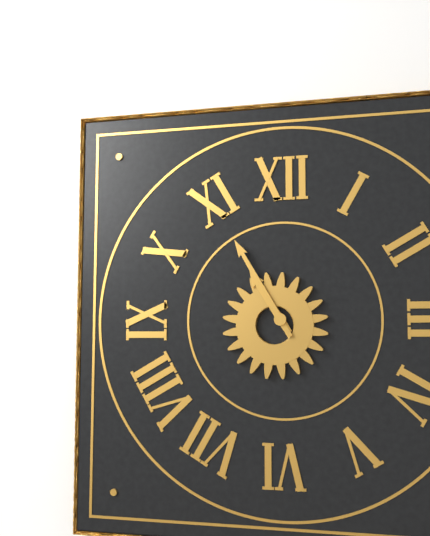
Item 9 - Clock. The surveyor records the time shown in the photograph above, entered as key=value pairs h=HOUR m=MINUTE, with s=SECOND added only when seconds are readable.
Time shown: h=10 m=55
